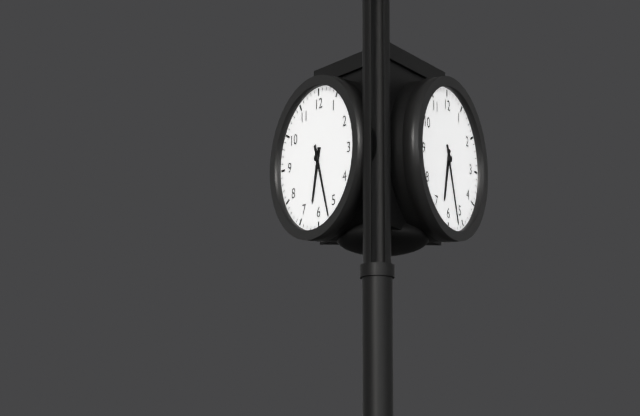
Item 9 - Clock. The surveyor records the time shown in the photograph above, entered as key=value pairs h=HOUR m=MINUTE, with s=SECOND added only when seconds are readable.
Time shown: h=6 m=27
